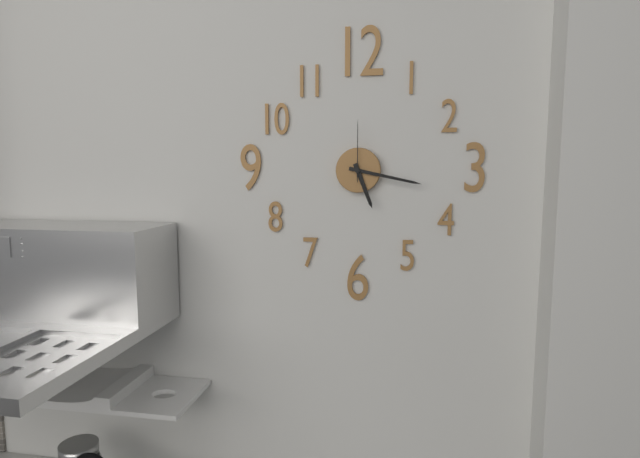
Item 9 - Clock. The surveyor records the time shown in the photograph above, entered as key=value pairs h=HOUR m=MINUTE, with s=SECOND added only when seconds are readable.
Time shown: h=5 m=17 s=0
